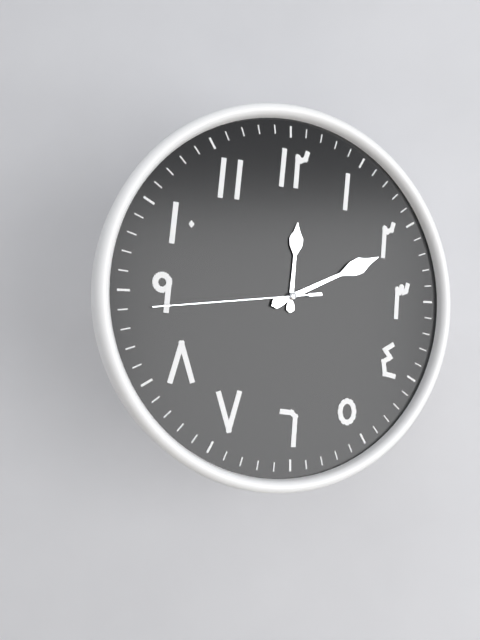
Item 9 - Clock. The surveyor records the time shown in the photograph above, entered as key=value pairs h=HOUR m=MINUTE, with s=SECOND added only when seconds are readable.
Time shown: h=12 m=11 s=44
